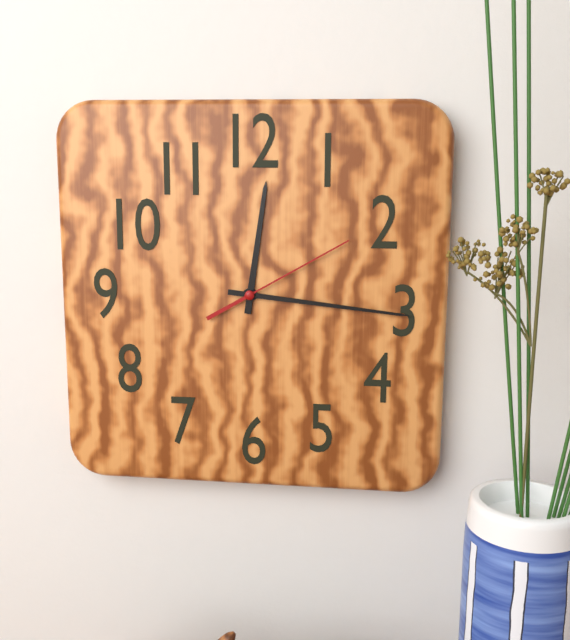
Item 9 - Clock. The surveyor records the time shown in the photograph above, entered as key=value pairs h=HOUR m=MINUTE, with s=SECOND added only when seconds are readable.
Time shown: h=12 m=16 s=10
